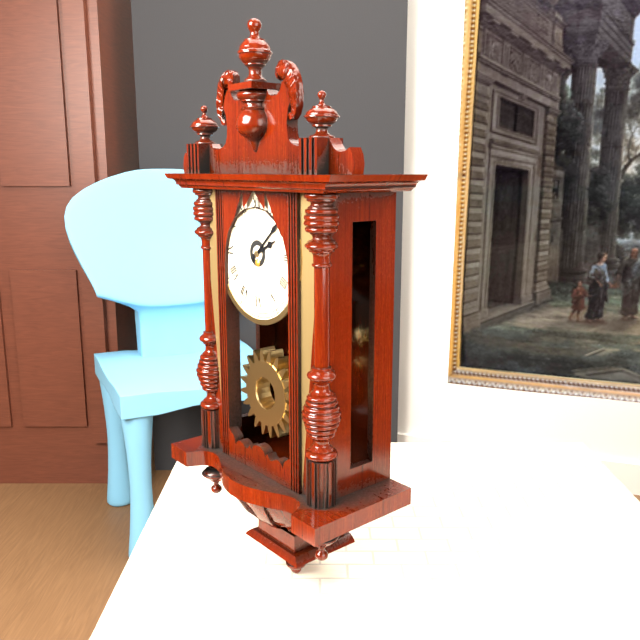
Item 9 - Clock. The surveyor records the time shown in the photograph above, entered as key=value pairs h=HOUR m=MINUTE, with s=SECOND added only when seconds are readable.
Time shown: h=2 m=8
